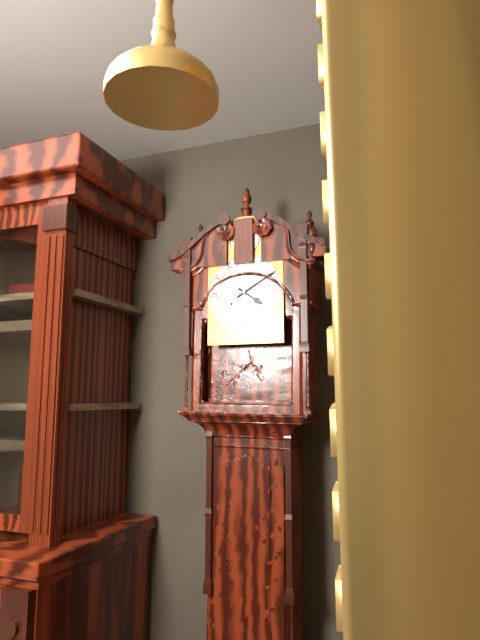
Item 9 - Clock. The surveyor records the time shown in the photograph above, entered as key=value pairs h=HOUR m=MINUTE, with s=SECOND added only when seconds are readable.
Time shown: h=4 m=10
